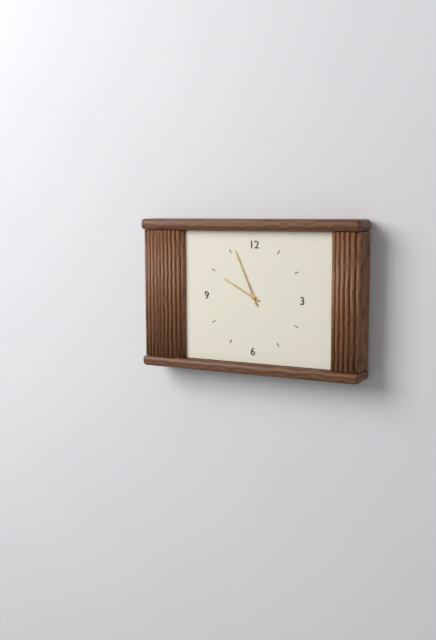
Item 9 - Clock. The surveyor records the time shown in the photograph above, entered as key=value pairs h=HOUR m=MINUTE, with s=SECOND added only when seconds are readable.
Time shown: h=9 m=56
